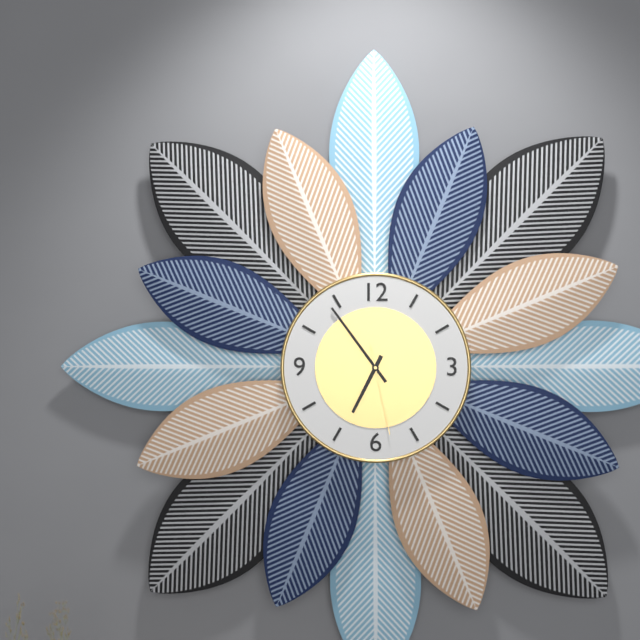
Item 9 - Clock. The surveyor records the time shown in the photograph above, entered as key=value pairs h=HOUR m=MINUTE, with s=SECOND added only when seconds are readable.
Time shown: h=6 m=54 s=28
